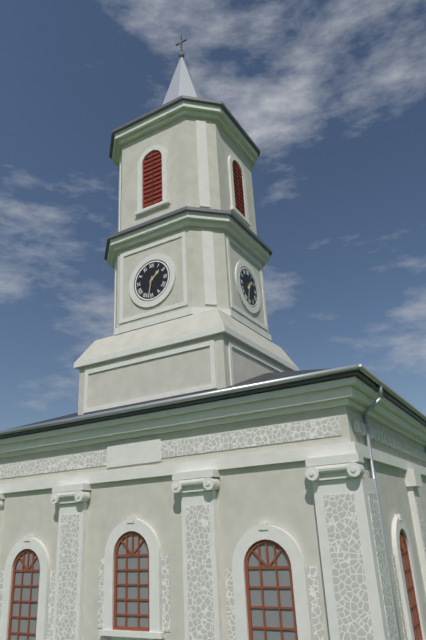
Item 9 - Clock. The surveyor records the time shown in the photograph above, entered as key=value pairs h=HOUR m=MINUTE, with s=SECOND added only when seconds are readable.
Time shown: h=1 m=32
